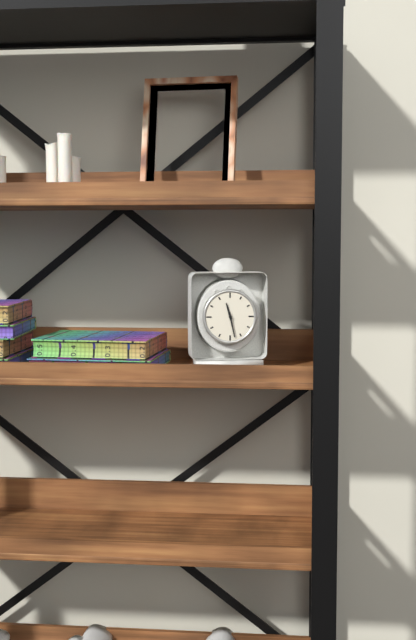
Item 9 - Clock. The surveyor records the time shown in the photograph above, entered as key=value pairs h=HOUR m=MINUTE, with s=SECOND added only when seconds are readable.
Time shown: h=11 m=28
